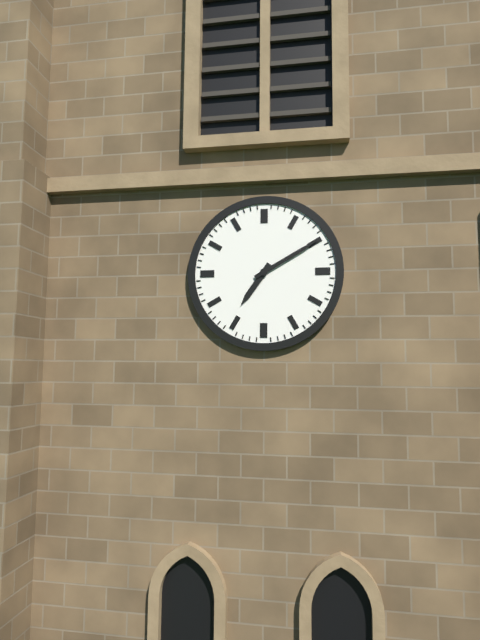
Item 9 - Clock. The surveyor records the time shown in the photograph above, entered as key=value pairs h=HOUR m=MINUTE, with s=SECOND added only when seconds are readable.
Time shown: h=7 m=10
